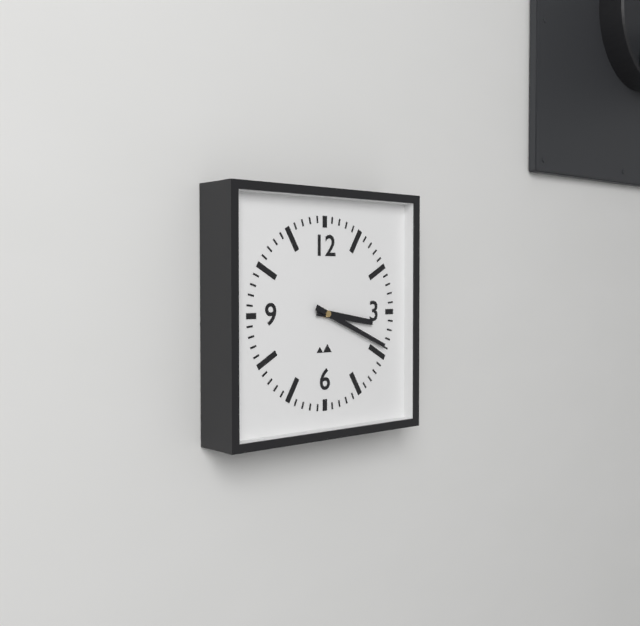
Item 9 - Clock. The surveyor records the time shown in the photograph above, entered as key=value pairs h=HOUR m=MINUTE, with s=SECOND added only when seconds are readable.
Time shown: h=3 m=19
